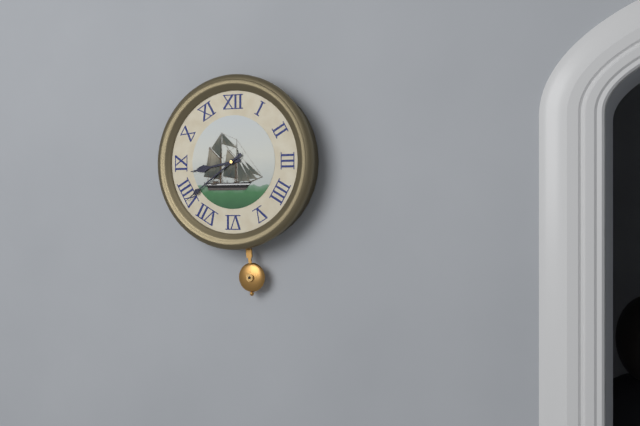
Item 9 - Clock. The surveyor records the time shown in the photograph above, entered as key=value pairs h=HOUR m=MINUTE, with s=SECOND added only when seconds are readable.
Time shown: h=8 m=39
